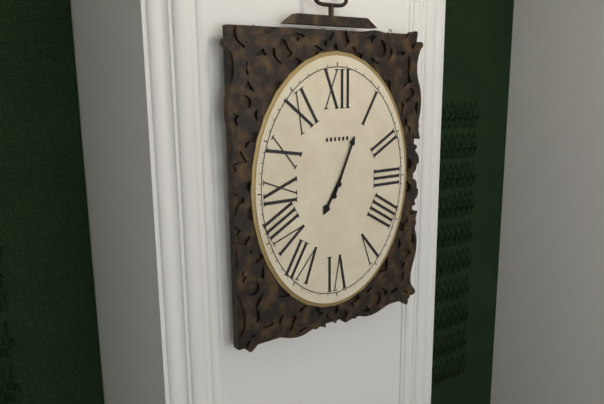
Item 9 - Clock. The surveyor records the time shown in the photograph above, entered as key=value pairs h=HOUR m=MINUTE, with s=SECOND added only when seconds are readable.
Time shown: h=7 m=4
